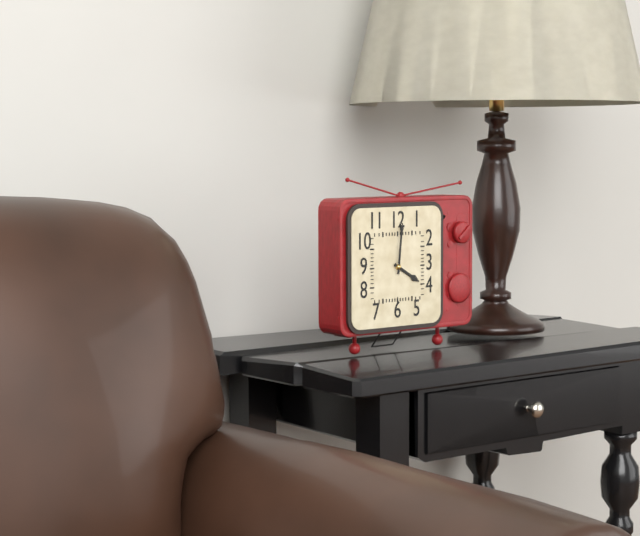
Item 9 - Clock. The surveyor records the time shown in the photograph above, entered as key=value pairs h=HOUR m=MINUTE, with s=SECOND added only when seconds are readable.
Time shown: h=4 m=1
